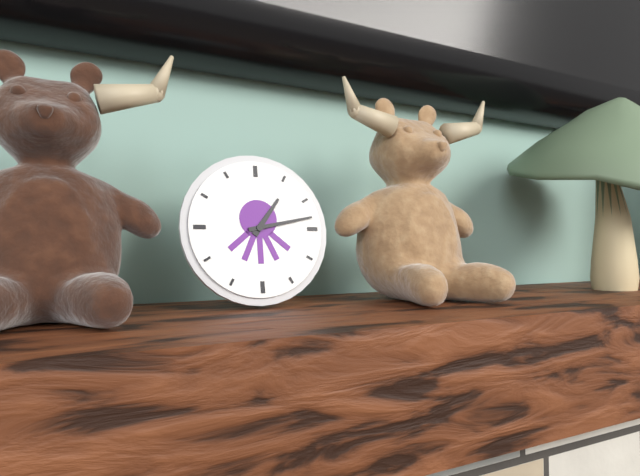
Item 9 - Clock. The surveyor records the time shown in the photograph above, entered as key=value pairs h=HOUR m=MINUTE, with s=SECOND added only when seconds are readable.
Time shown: h=1 m=13
